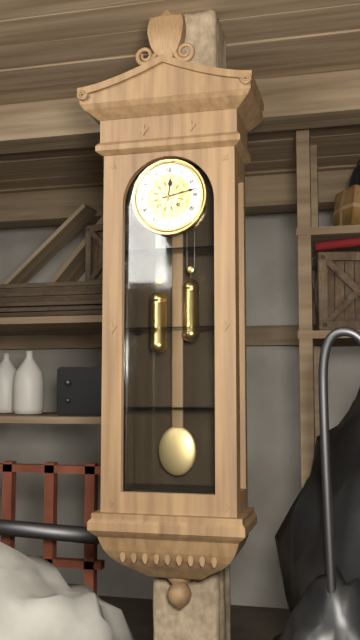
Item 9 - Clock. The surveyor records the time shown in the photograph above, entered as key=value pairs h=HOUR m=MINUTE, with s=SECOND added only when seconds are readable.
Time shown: h=12 m=13
